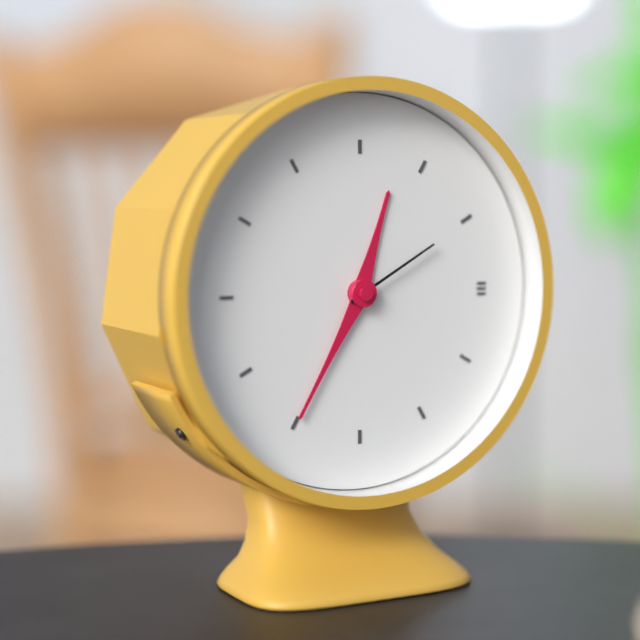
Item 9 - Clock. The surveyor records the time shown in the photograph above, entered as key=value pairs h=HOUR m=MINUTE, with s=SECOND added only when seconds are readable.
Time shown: h=12 m=35 s=10
